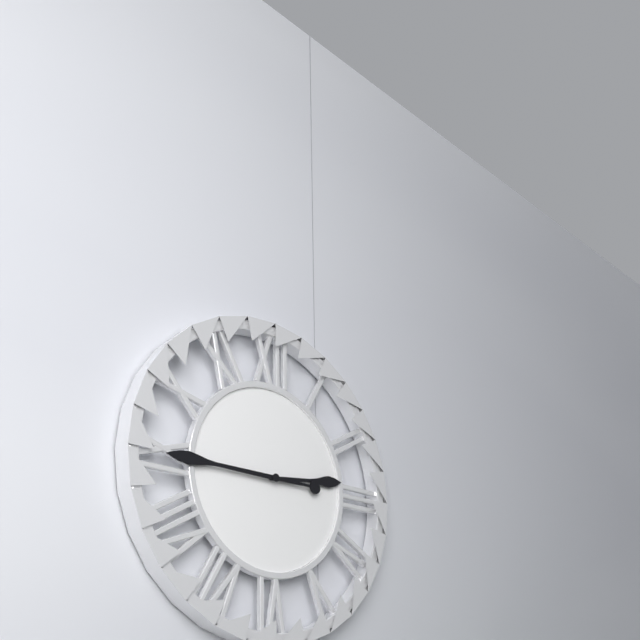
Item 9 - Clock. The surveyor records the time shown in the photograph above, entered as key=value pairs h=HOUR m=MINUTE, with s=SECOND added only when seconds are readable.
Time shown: h=2 m=45
